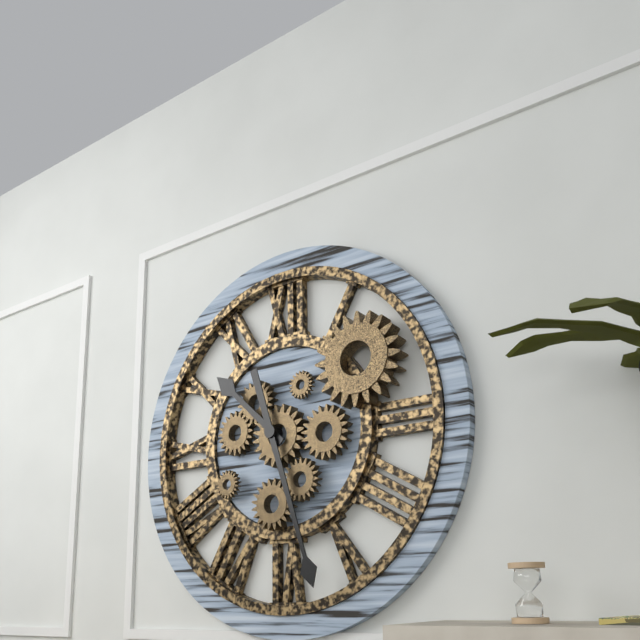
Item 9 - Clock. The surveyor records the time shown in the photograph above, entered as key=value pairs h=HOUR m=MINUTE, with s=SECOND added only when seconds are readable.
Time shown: h=10 m=27
